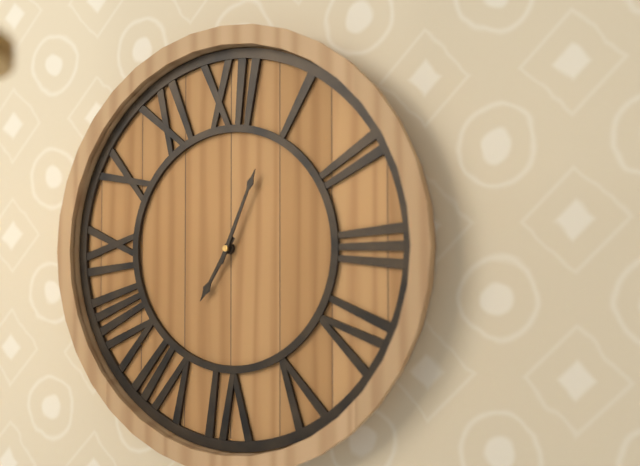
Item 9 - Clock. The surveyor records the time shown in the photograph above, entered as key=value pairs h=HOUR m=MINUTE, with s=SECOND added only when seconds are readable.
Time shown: h=7 m=4
